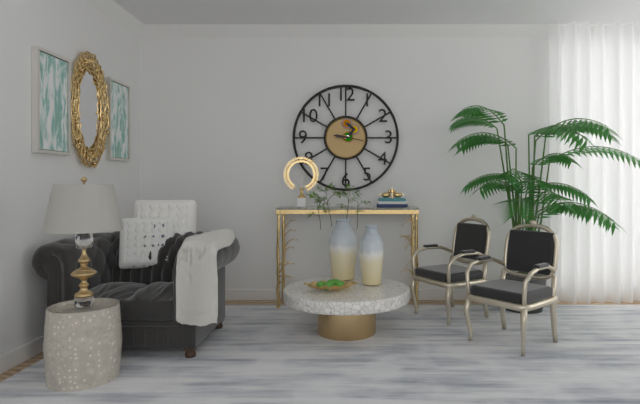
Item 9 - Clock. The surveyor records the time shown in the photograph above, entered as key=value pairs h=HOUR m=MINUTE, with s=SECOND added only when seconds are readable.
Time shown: h=9 m=17
